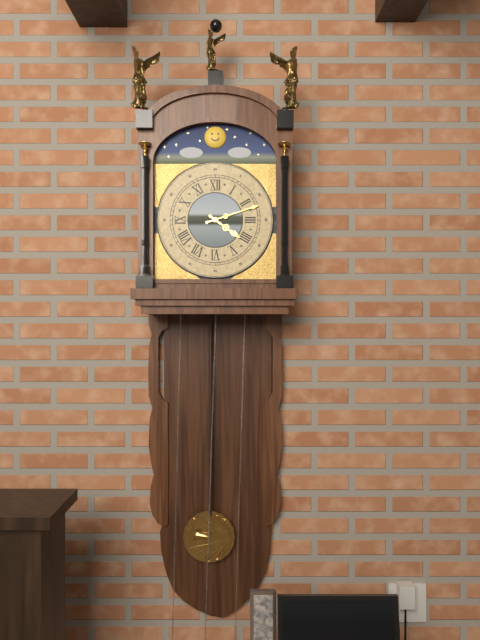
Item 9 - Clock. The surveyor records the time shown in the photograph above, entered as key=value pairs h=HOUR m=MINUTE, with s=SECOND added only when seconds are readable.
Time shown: h=4 m=12
